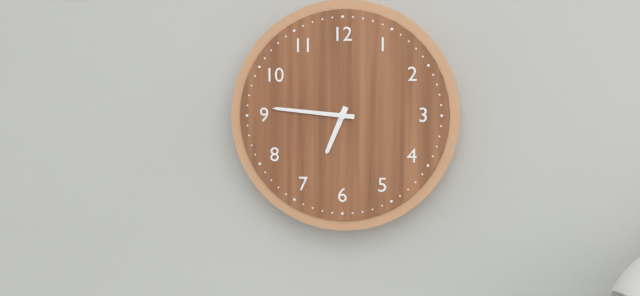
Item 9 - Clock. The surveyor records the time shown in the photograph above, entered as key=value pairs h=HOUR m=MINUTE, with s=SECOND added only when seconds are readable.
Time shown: h=6 m=46
